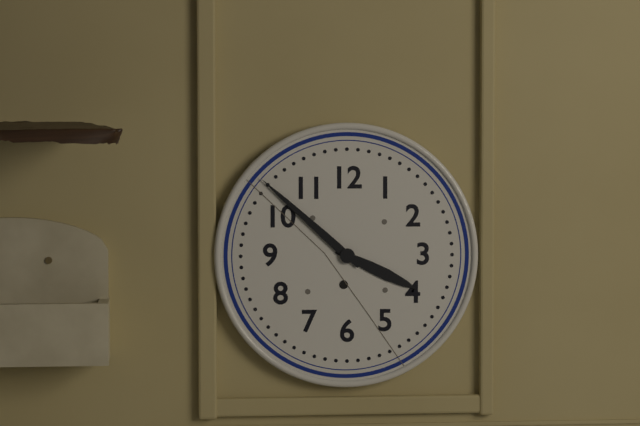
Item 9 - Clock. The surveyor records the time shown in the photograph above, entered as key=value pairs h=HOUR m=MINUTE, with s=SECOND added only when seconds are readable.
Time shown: h=3 m=52
